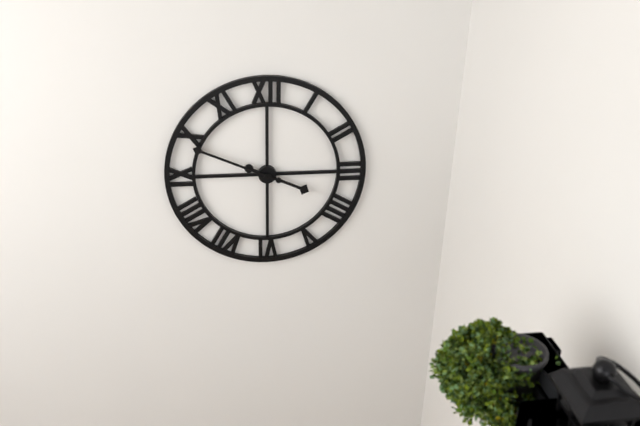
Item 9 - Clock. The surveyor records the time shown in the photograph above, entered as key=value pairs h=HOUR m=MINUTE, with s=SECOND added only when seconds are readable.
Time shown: h=3 m=49
